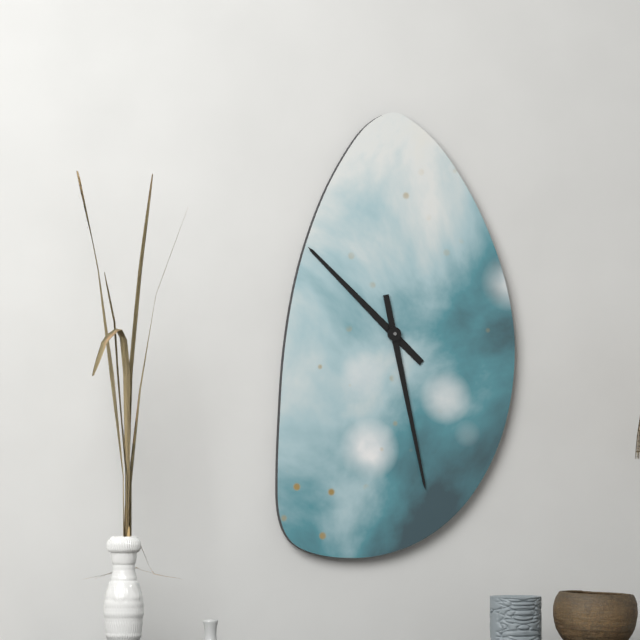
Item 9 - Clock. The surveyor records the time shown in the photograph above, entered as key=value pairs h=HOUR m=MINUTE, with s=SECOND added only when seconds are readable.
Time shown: h=10 m=28
